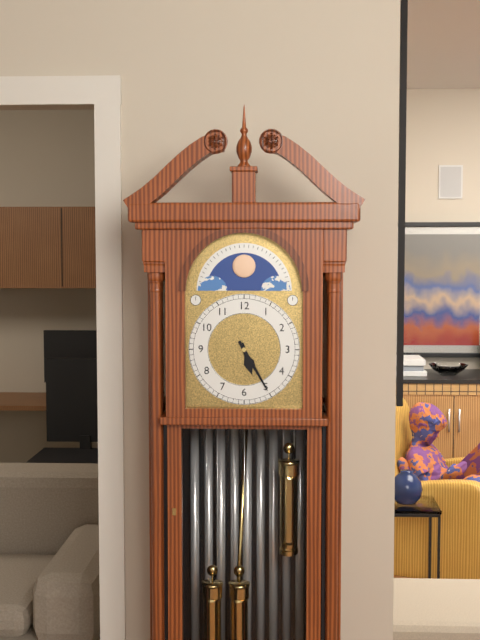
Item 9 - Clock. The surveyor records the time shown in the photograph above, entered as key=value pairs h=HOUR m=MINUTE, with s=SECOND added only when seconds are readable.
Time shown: h=5 m=25
